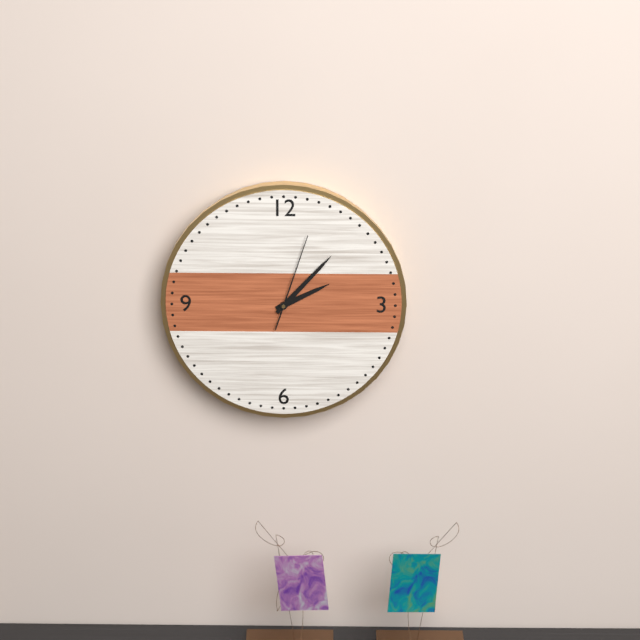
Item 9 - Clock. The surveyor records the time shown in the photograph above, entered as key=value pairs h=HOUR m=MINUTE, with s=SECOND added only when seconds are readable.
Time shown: h=2 m=7 s=3
